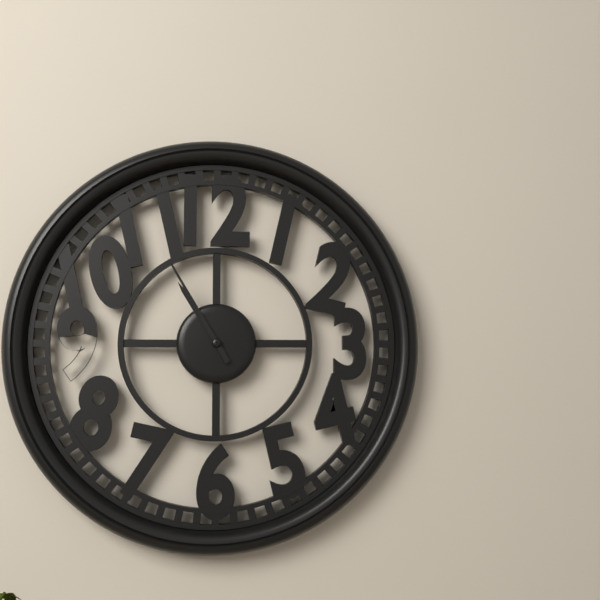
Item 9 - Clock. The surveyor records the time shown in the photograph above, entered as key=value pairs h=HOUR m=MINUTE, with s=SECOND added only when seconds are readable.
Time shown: h=10 m=55
